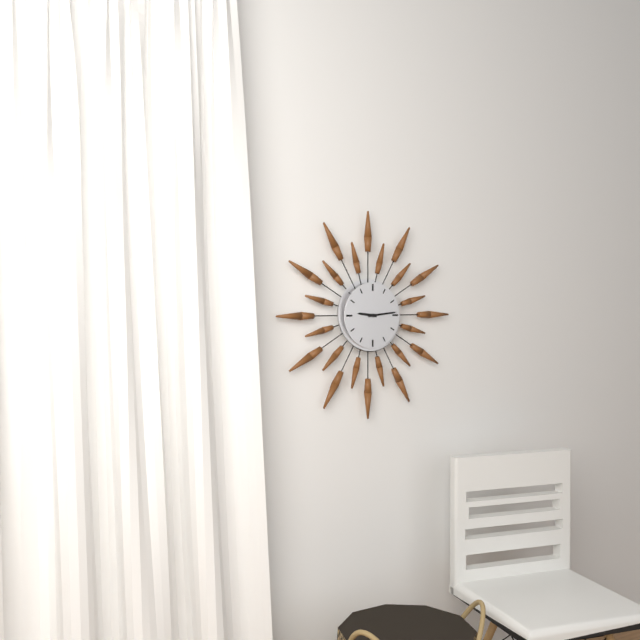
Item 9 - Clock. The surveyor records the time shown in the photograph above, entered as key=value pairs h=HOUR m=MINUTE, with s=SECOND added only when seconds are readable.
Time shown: h=9 m=14
